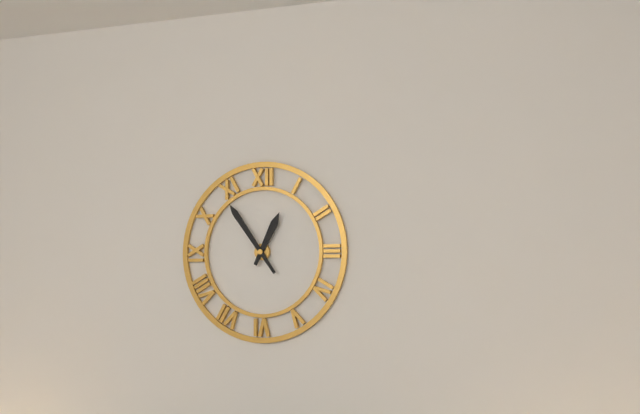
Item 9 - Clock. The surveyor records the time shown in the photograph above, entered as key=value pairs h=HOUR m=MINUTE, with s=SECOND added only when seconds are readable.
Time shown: h=12 m=54
